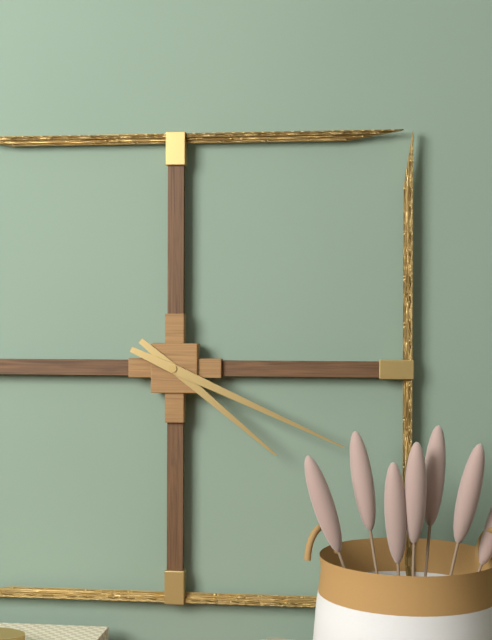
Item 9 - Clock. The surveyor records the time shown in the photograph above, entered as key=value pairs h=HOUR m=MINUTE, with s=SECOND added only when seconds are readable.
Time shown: h=4 m=19
